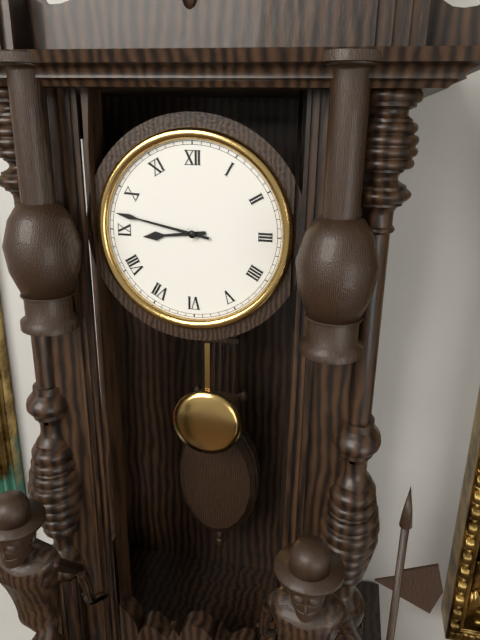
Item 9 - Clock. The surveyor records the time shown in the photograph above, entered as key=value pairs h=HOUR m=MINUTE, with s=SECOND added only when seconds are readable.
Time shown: h=8 m=47
